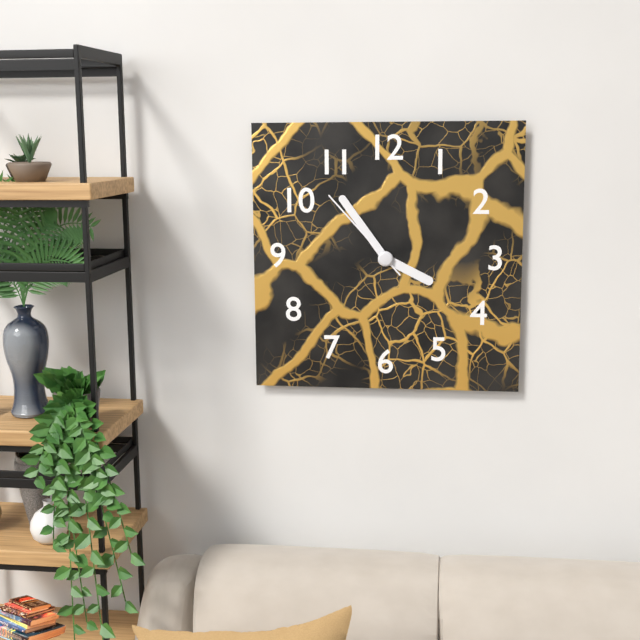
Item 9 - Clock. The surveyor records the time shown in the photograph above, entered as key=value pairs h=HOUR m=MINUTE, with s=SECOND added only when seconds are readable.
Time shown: h=3 m=54 s=53
